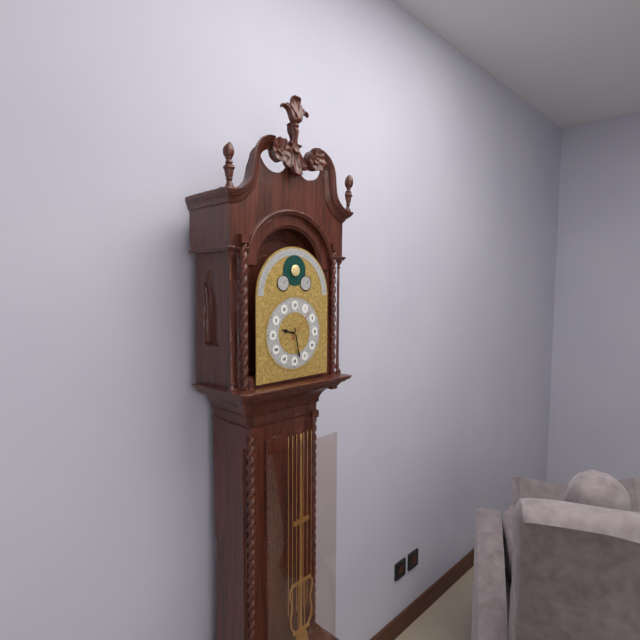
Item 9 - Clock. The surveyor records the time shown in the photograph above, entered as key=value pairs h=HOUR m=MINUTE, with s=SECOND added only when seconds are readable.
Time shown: h=9 m=28
